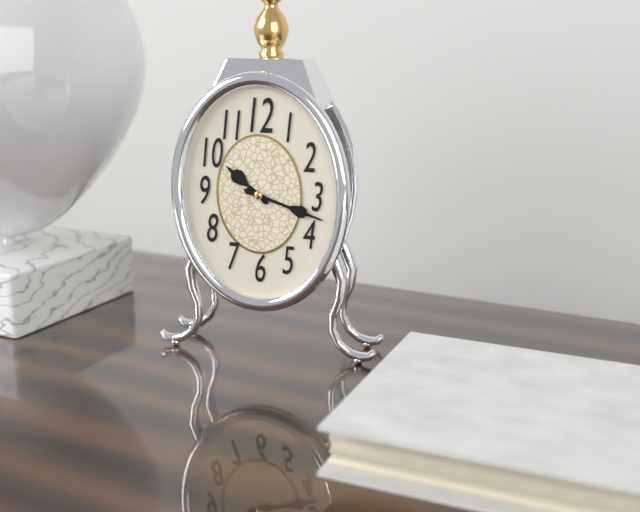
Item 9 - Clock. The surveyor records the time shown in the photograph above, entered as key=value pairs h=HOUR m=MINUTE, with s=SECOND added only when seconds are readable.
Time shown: h=10 m=18
